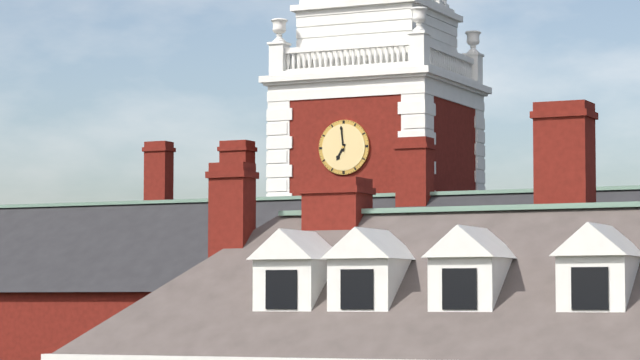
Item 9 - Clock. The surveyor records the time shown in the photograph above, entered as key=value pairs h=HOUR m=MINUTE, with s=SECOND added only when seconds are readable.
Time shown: h=6 m=59
